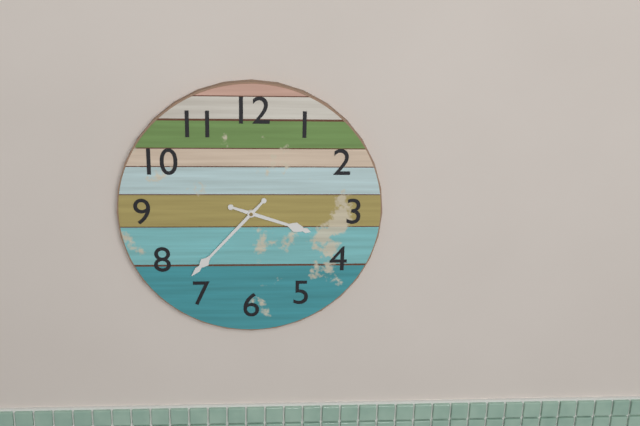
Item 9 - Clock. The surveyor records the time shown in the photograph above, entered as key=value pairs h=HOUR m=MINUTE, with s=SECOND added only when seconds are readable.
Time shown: h=3 m=37
